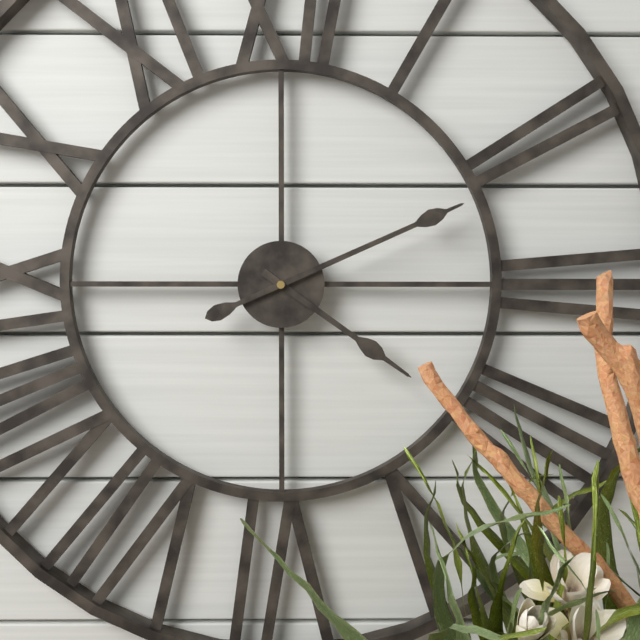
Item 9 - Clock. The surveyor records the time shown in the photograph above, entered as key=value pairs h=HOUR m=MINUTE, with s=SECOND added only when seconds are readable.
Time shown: h=4 m=11
